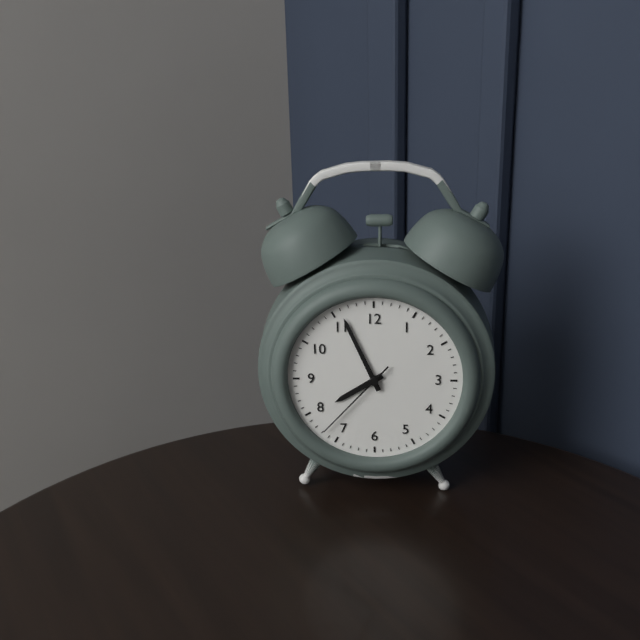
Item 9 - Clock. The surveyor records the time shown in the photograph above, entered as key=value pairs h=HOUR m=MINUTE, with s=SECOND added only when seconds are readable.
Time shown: h=7 m=56 s=37
